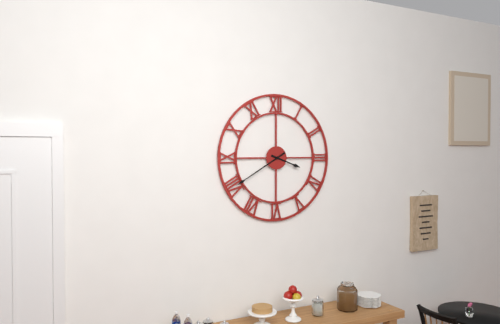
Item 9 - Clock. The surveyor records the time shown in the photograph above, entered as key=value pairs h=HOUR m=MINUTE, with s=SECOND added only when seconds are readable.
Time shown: h=3 m=40
